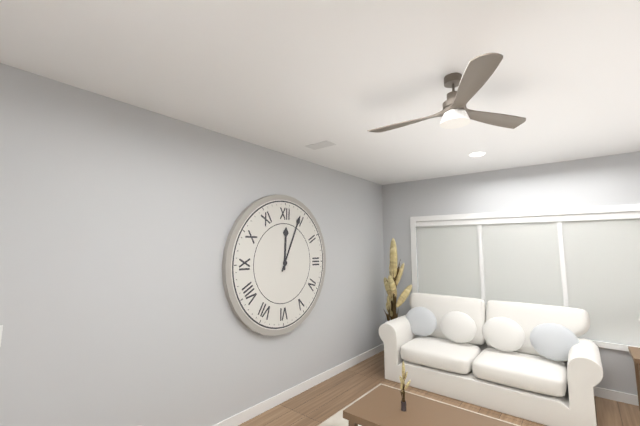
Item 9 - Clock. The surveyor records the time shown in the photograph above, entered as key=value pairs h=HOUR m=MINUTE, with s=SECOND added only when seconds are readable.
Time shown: h=12 m=4
